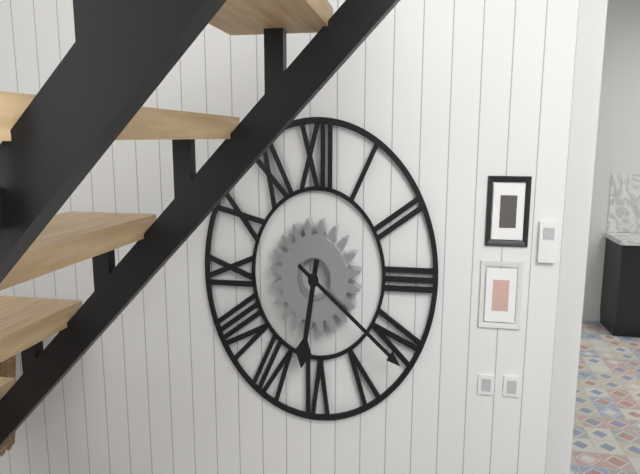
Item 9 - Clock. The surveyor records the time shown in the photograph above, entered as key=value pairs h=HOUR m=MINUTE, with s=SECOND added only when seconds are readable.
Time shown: h=6 m=21
